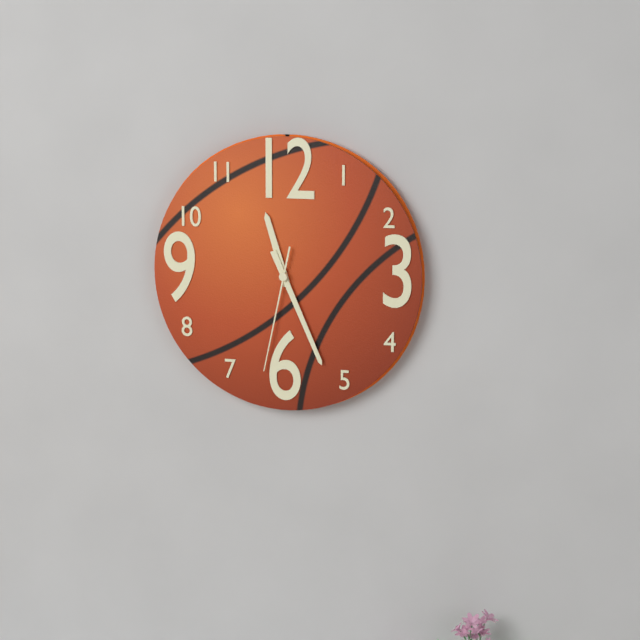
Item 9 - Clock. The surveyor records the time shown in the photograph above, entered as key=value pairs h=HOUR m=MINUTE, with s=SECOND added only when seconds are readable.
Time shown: h=11 m=26 s=32
